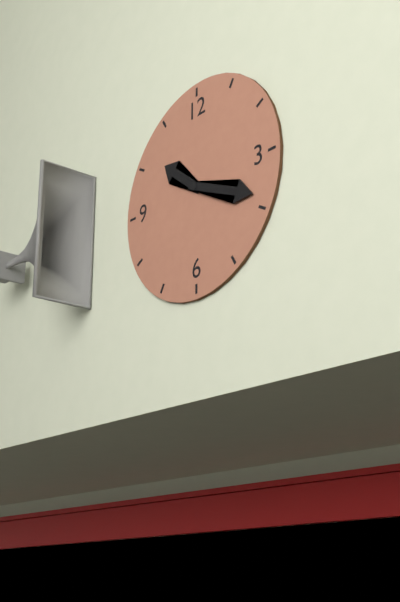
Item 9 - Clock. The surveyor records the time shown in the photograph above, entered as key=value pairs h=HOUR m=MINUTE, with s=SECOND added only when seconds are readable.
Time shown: h=10 m=19
